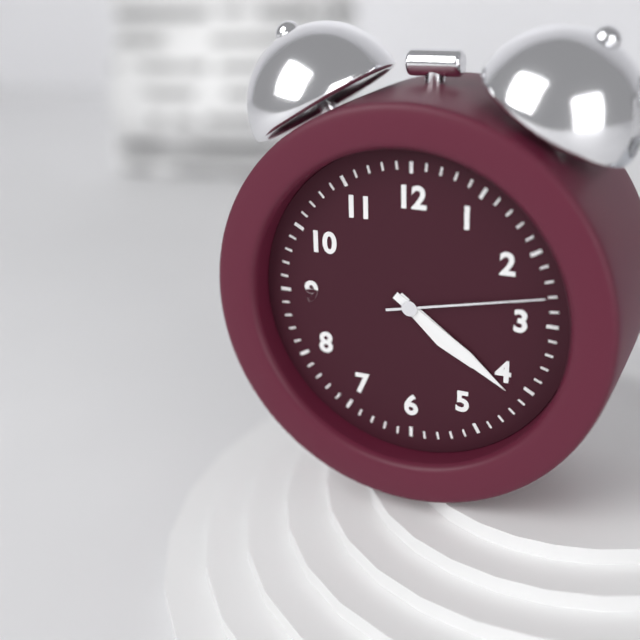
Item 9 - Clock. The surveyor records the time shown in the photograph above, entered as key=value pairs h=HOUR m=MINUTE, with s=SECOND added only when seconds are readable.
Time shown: h=4 m=21 s=13
